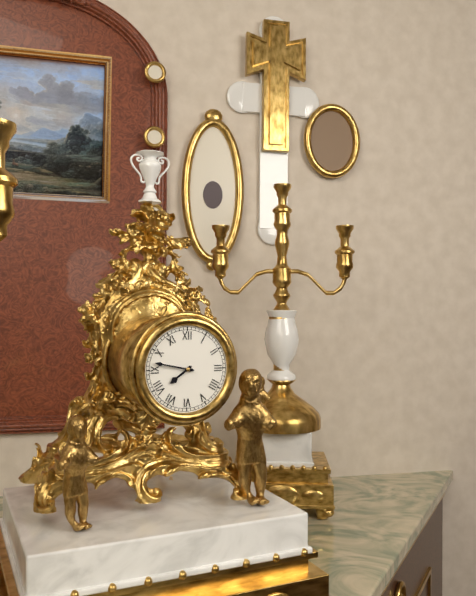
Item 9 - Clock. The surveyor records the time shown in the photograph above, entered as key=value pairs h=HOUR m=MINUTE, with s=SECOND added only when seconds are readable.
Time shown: h=7 m=47
